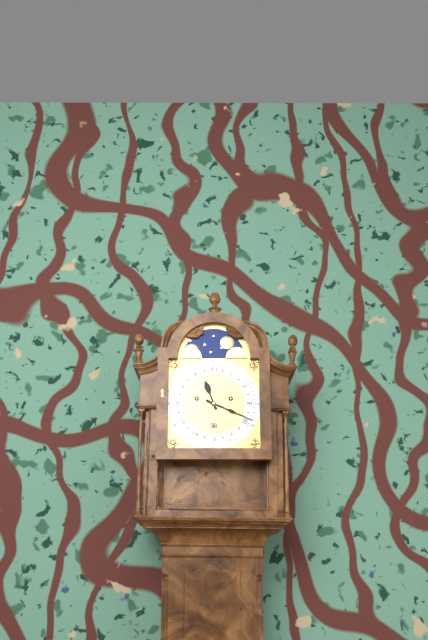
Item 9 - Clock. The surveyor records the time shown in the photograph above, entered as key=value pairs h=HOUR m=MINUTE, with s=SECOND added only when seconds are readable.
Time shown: h=11 m=19
